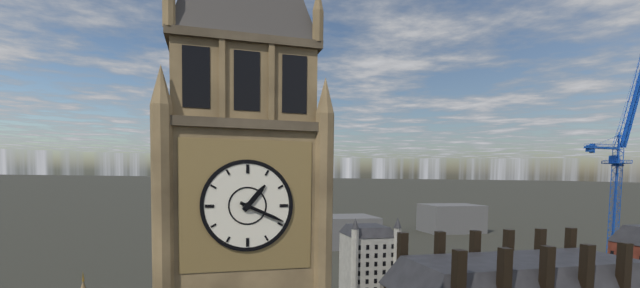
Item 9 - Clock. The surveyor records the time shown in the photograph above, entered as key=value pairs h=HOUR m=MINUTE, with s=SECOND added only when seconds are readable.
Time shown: h=1 m=19
